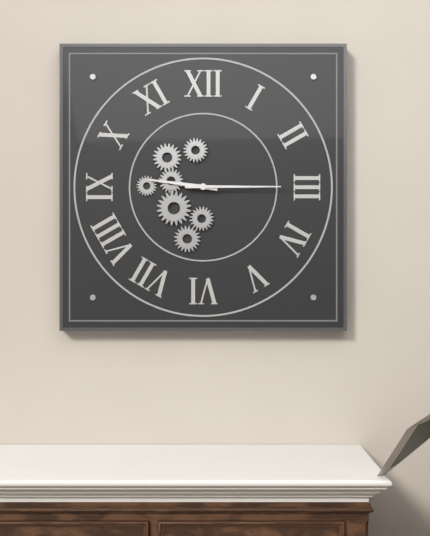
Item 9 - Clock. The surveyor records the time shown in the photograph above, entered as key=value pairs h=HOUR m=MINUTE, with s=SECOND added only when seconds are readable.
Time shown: h=9 m=15
